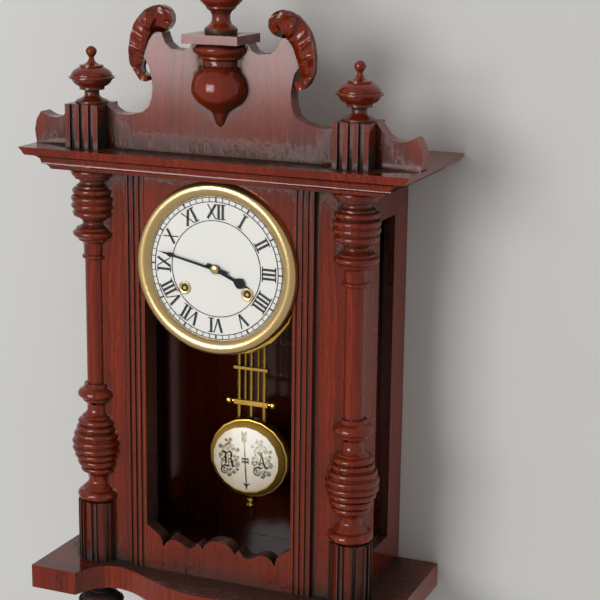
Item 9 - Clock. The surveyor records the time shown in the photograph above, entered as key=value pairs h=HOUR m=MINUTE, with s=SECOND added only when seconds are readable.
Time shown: h=3 m=47
